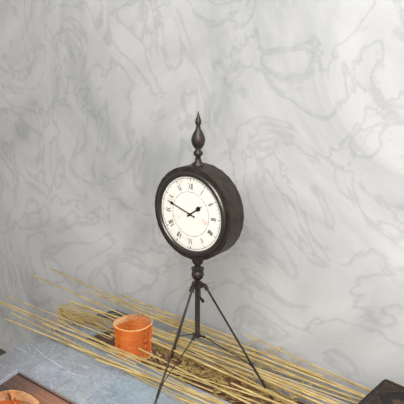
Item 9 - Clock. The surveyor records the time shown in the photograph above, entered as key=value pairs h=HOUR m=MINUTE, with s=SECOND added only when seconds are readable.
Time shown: h=1 m=48
